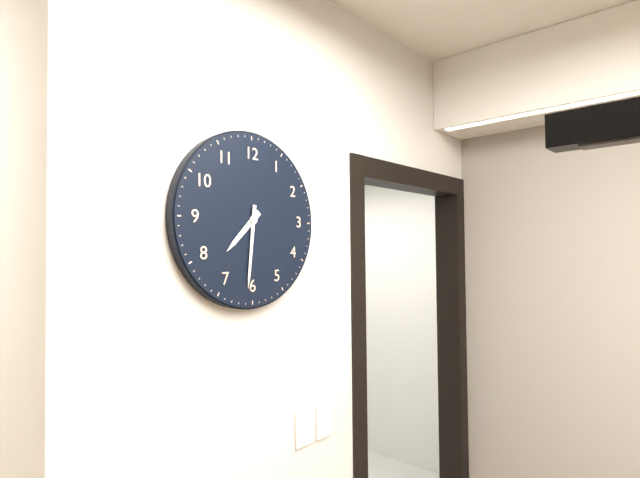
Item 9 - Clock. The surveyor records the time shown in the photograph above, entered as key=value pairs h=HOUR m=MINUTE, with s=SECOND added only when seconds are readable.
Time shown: h=7 m=31
